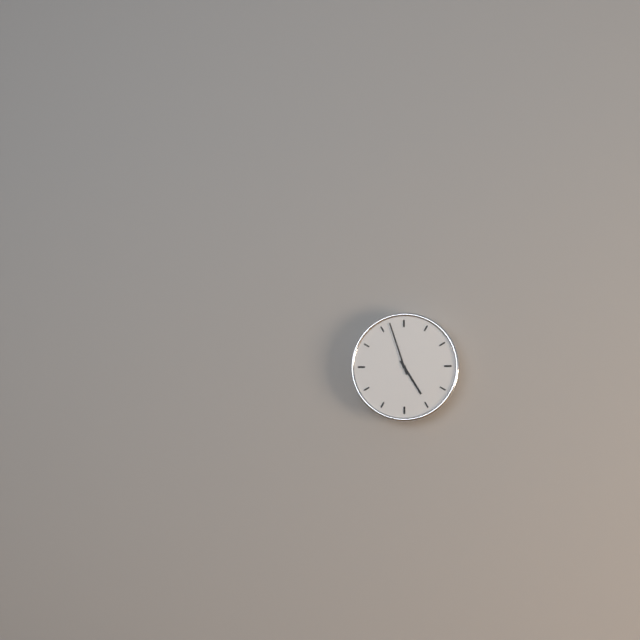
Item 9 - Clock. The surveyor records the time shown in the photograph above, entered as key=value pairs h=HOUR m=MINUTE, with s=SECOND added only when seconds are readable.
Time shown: h=4 m=57
